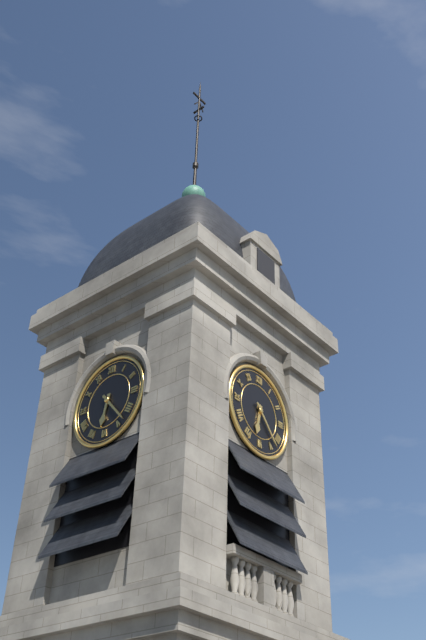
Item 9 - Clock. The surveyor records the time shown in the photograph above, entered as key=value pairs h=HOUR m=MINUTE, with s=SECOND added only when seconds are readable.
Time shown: h=6 m=23
